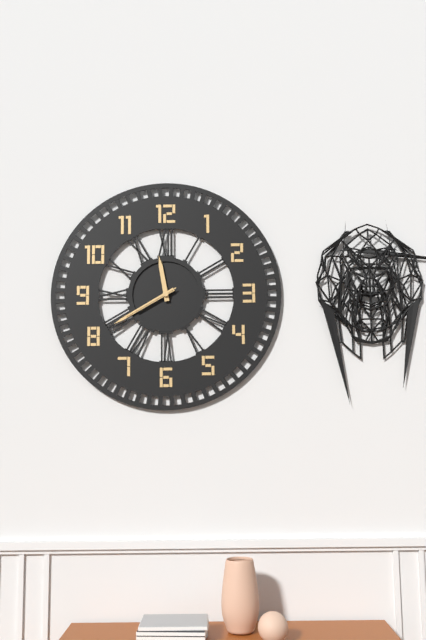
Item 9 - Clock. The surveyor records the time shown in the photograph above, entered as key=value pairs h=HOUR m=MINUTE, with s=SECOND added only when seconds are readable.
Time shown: h=11 m=40 s=40
